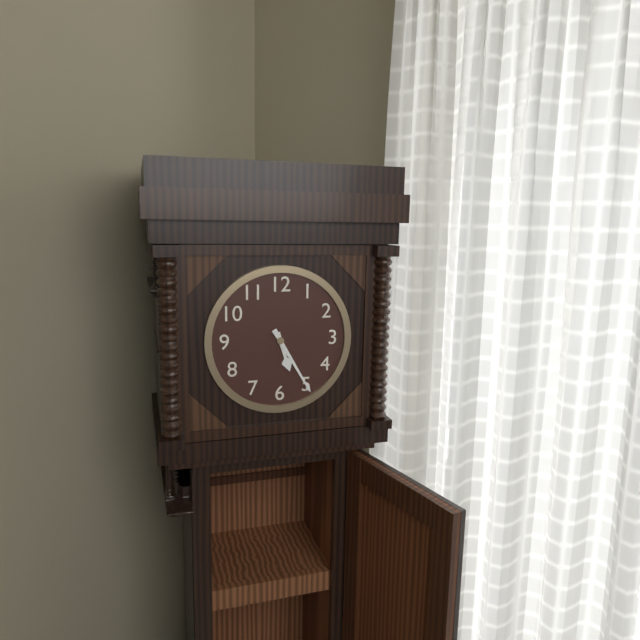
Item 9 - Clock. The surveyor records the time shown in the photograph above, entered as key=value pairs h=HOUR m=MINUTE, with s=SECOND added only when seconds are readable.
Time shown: h=5 m=25
